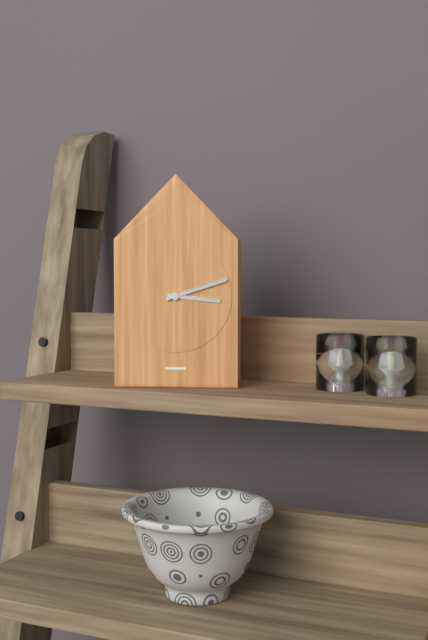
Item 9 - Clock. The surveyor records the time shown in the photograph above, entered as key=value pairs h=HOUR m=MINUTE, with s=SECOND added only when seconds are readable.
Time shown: h=3 m=12
